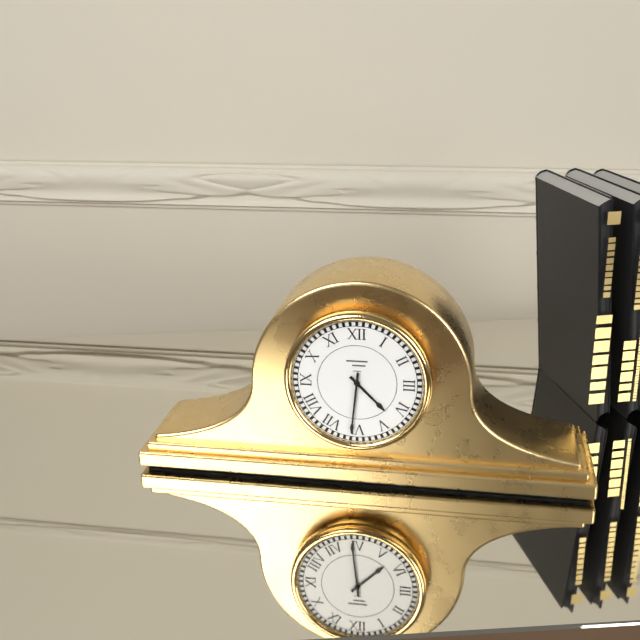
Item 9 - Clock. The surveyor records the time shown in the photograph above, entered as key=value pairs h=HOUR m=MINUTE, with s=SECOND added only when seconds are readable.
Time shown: h=4 m=31
